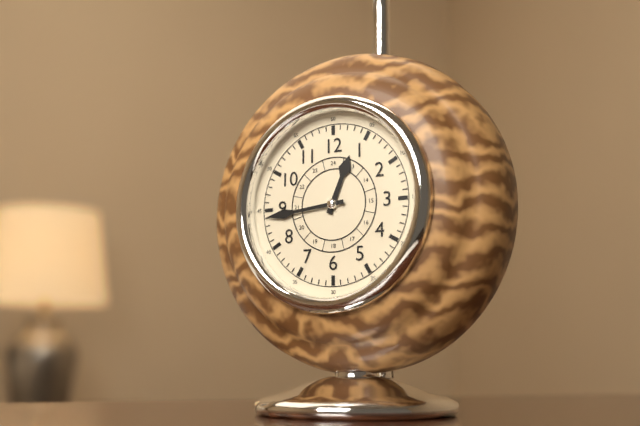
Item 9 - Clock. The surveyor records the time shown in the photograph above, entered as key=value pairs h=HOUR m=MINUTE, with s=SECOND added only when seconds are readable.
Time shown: h=12 m=44
